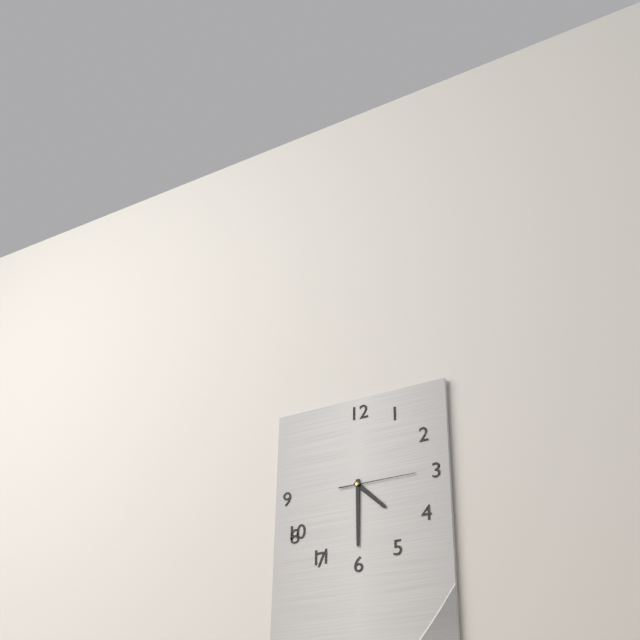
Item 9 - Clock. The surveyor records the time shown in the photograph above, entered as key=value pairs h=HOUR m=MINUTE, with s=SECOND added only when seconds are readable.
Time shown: h=4 m=30 s=15
